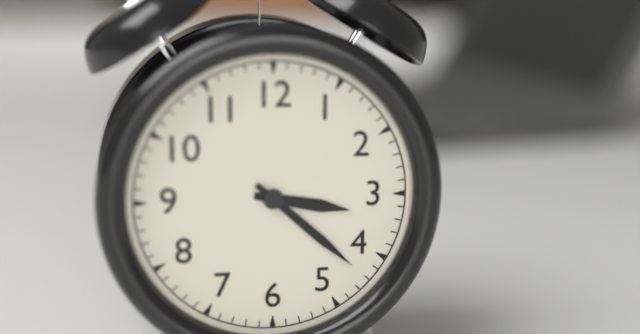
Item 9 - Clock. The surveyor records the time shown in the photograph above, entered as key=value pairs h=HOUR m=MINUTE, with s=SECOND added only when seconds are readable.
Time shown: h=3 m=22
